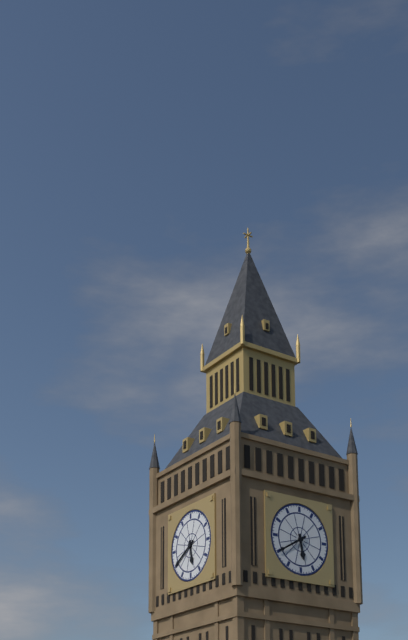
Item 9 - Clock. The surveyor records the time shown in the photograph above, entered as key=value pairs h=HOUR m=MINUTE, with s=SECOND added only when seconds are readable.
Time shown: h=5 m=40
